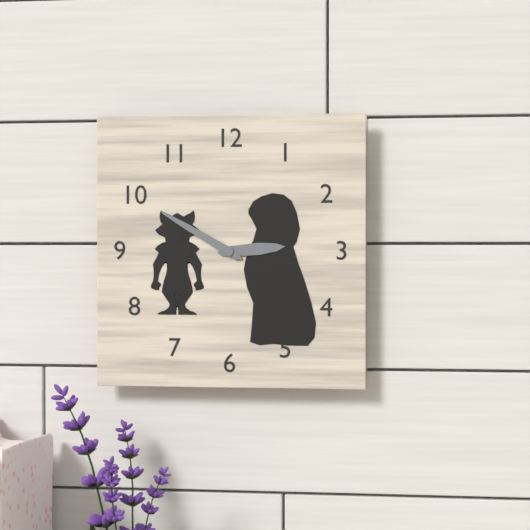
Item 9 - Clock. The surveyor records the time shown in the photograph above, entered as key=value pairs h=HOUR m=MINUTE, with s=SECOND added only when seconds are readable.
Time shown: h=2 m=50
